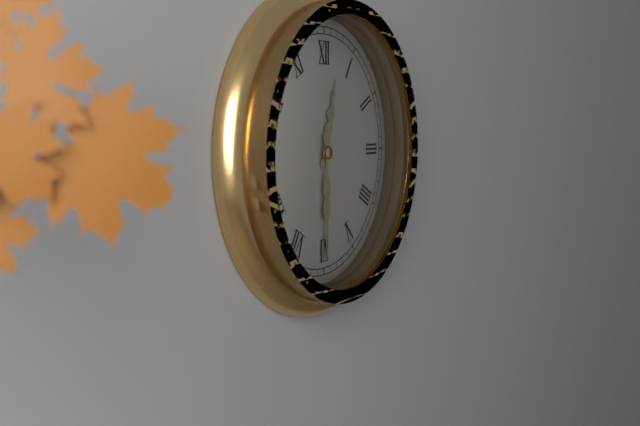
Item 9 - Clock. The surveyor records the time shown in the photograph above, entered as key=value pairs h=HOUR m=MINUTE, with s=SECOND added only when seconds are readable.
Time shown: h=12 m=30
